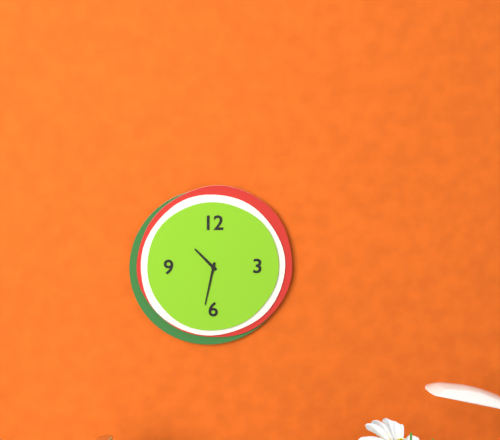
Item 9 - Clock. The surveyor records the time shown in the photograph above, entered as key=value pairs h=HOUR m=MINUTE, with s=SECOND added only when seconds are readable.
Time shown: h=10 m=32
